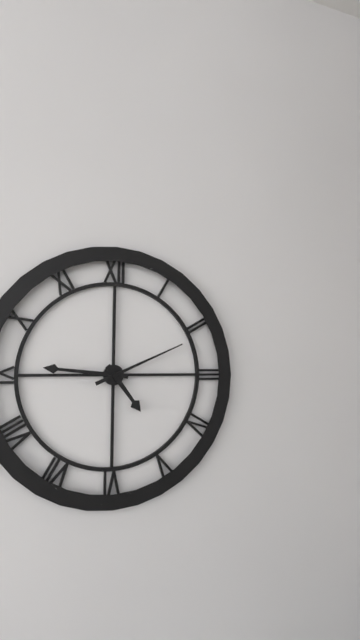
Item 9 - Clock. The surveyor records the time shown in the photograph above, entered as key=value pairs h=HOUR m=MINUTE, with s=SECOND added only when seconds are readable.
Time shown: h=4 m=46 s=11
